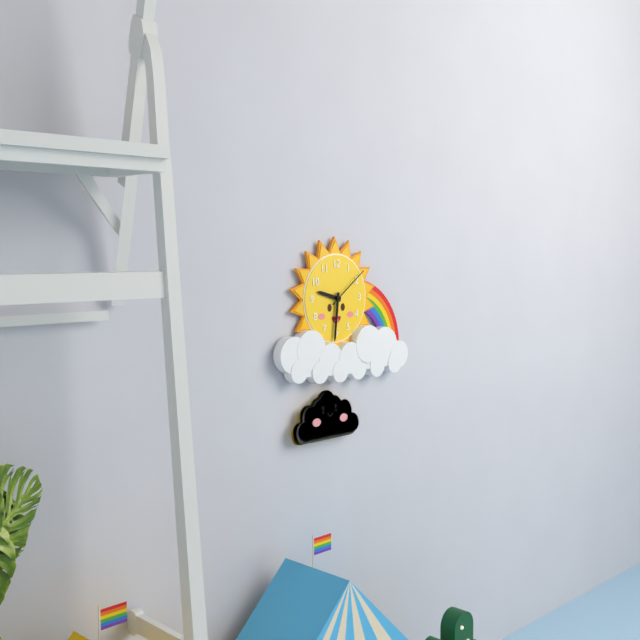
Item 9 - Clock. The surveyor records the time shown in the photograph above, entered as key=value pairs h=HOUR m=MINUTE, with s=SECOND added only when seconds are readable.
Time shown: h=9 m=31
